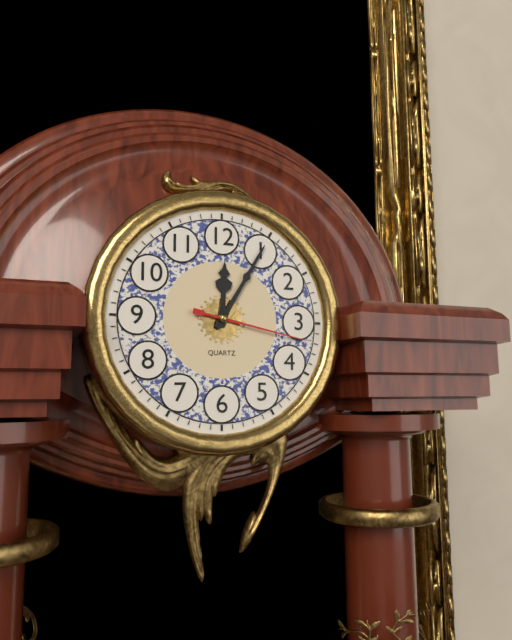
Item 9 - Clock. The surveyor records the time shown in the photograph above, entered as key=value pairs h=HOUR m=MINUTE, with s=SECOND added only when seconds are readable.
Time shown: h=12 m=5 s=17
